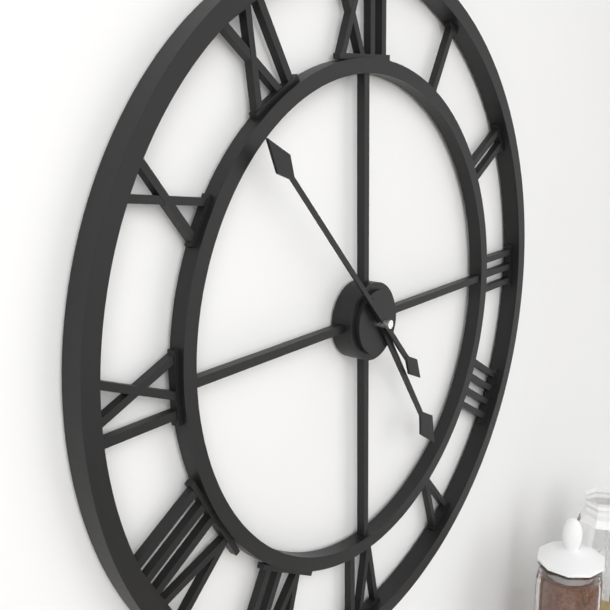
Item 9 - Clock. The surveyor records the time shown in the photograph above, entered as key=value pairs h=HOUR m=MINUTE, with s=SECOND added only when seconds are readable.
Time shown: h=4 m=53
